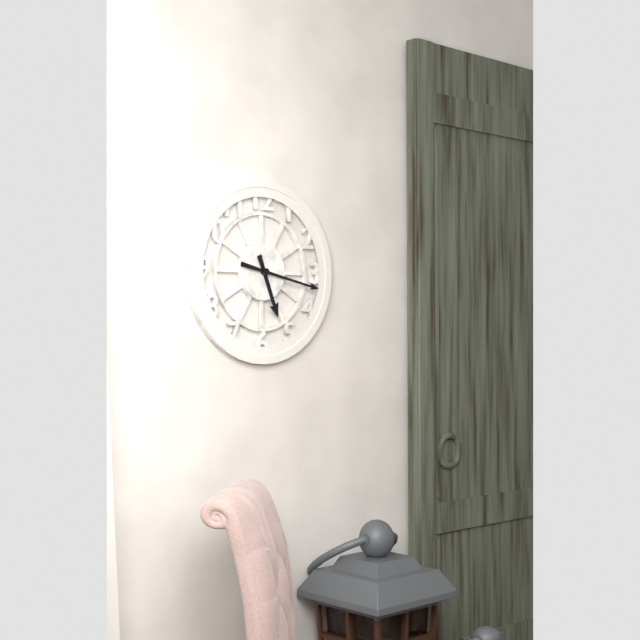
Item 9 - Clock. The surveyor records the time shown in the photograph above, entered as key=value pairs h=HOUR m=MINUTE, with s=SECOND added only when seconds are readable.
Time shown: h=5 m=17
